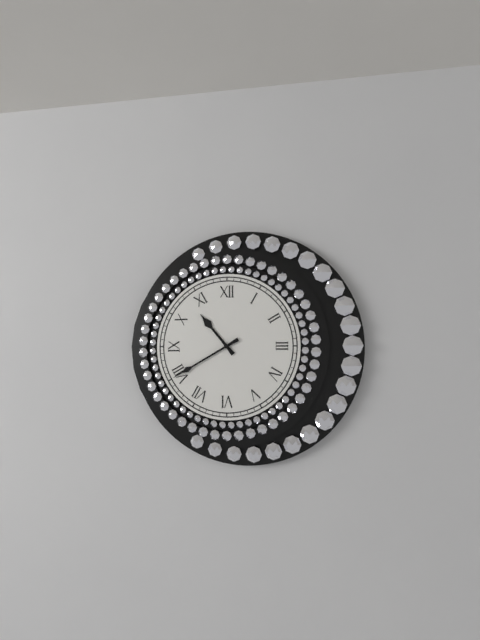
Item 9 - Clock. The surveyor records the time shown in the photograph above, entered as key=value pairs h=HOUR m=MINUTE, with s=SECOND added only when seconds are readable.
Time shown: h=10 m=40
